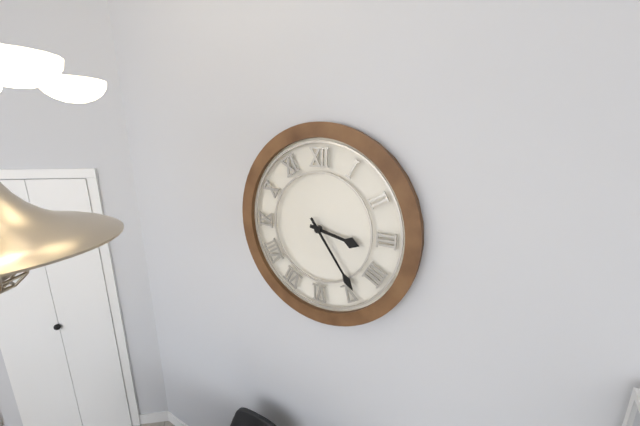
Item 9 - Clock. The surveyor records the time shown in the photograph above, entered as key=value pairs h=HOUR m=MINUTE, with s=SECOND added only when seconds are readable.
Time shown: h=3 m=24
